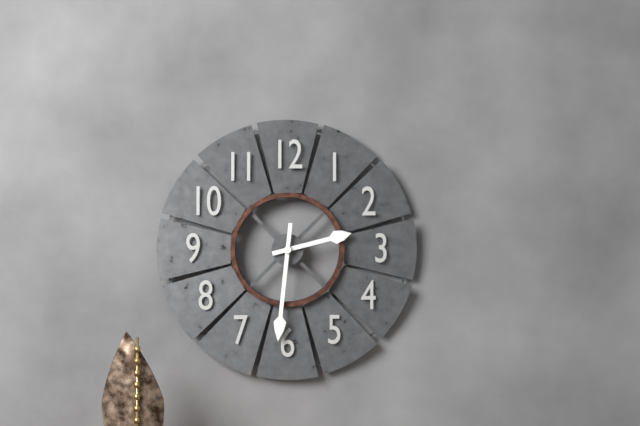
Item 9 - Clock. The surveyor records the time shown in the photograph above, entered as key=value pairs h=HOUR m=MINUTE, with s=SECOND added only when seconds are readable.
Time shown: h=2 m=31
